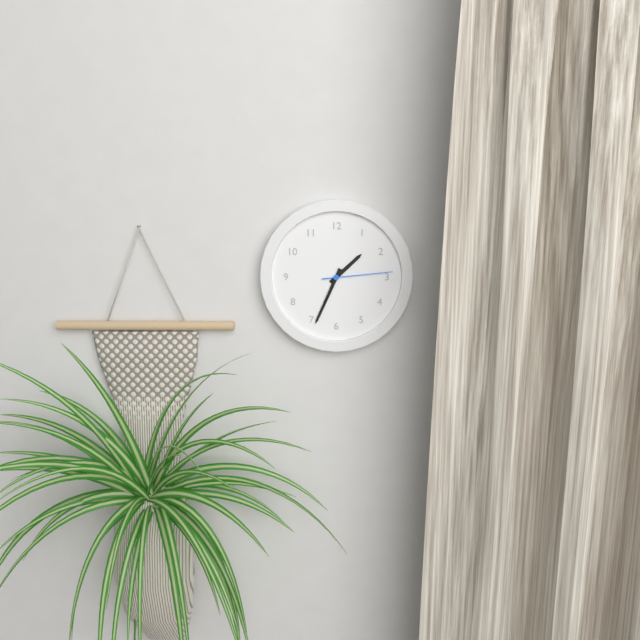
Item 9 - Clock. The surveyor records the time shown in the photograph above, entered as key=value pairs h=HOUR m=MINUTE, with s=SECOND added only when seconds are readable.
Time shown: h=1 m=34 s=14
